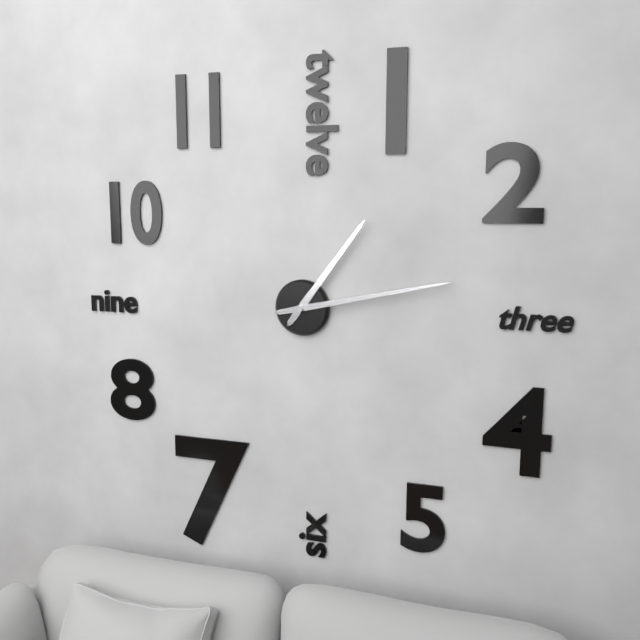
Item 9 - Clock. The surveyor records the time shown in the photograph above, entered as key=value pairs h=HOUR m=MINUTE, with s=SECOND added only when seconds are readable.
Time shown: h=1 m=13
